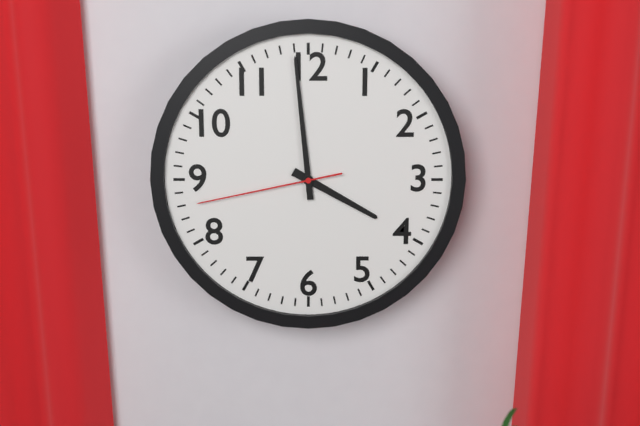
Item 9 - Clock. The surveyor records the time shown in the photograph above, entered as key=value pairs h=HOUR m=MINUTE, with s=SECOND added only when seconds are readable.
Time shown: h=3 m=59 s=43
